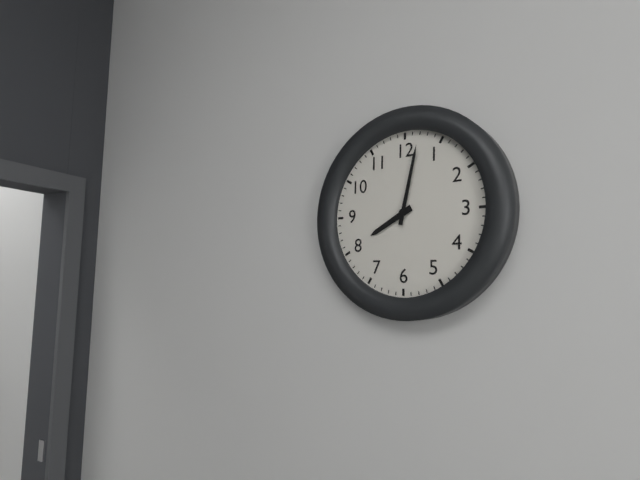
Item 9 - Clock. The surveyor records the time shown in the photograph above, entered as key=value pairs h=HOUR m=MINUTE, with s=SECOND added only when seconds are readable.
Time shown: h=8 m=2
